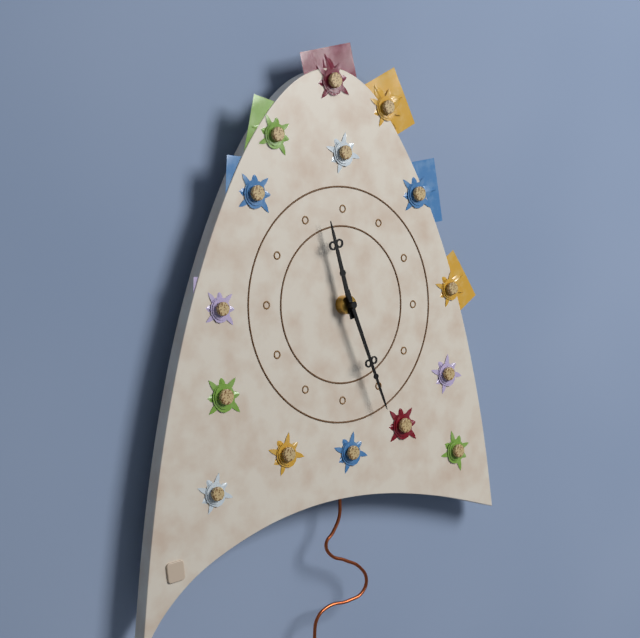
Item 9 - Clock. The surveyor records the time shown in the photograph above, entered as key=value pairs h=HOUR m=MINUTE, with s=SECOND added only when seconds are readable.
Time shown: h=11 m=26
